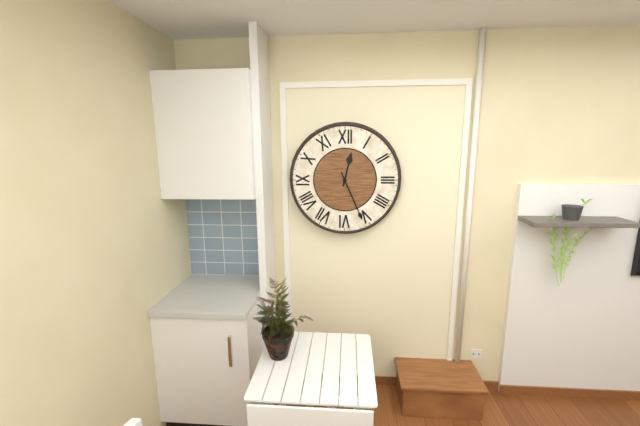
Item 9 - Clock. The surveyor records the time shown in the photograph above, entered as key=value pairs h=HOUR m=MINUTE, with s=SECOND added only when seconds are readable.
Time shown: h=12 m=26
